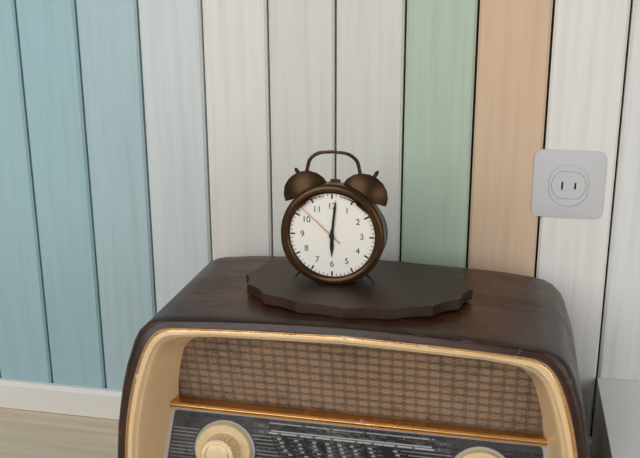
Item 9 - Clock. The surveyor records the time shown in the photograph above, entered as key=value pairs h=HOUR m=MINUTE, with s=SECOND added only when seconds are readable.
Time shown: h=6 m=1 s=52
